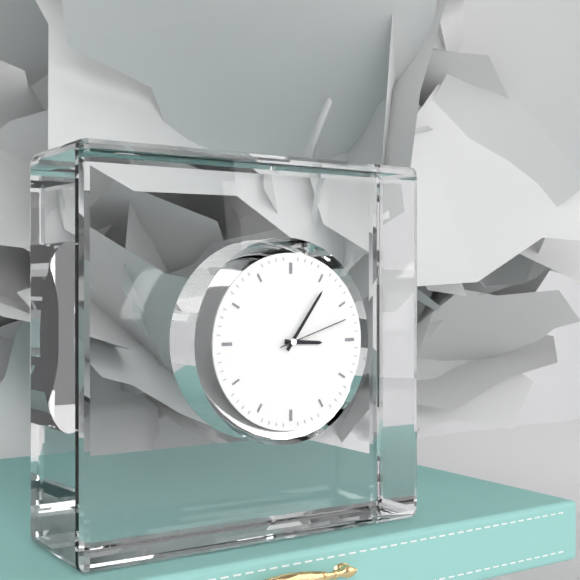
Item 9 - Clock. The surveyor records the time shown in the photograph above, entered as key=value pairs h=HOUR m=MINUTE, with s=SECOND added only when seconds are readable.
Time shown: h=3 m=6 s=12
